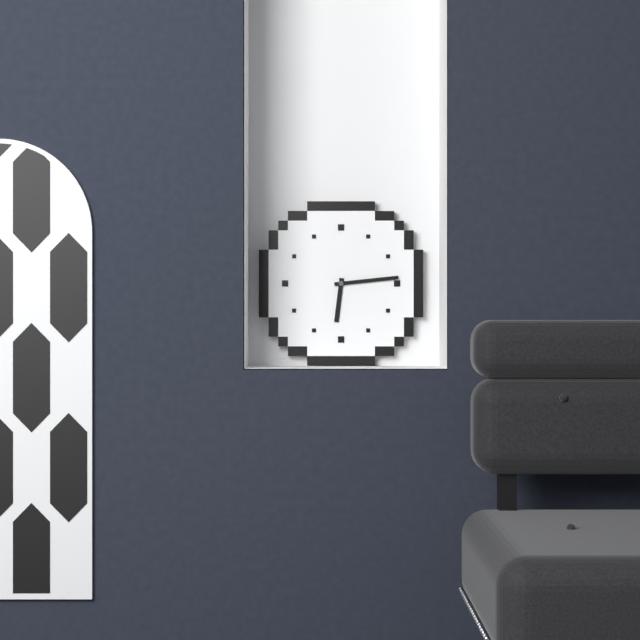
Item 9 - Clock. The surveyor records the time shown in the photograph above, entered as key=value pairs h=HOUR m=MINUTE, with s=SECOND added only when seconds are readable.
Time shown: h=6 m=14
